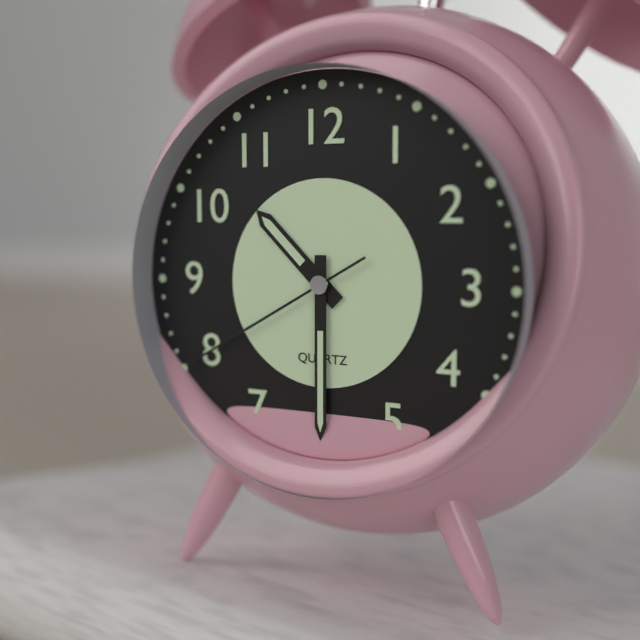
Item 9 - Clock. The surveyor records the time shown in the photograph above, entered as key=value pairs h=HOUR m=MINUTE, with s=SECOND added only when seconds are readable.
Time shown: h=10 m=30 s=40
